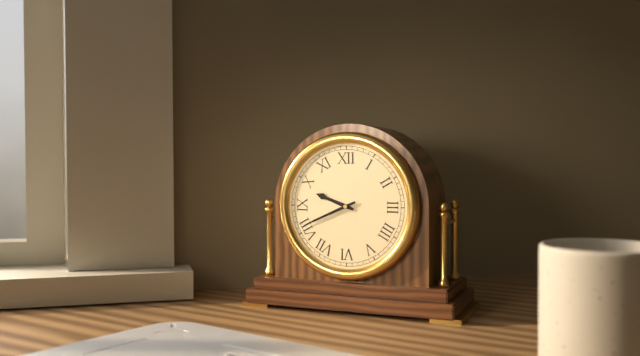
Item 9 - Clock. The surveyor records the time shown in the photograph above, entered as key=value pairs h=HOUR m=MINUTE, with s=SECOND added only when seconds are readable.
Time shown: h=9 m=41
